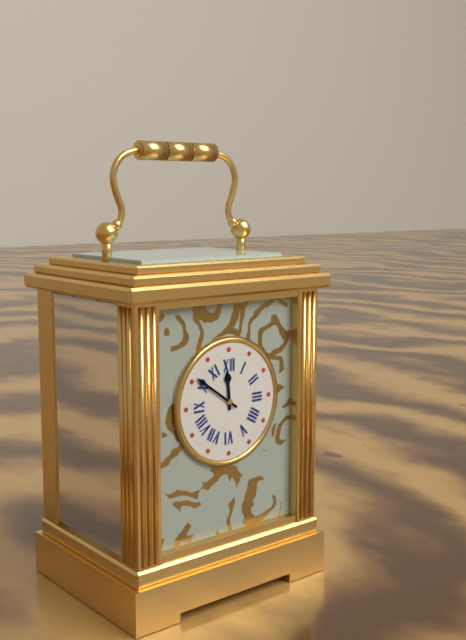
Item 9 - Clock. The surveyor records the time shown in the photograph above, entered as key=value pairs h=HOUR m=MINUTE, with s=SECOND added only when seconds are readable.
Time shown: h=11 m=51
